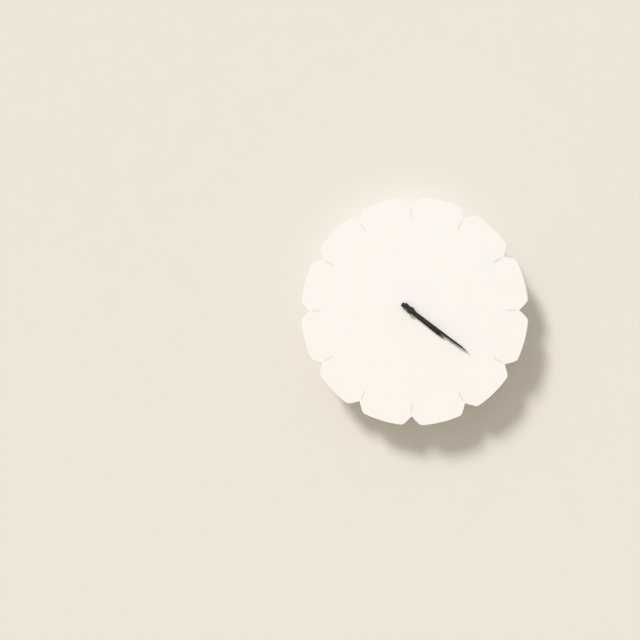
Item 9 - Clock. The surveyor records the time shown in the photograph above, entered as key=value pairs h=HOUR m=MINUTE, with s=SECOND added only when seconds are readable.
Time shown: h=4 m=21
